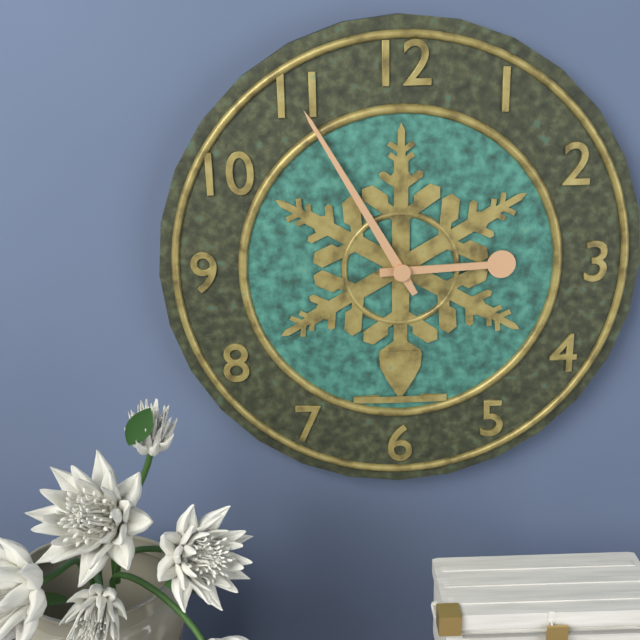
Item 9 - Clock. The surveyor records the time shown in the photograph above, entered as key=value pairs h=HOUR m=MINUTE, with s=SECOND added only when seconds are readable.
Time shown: h=2 m=55
